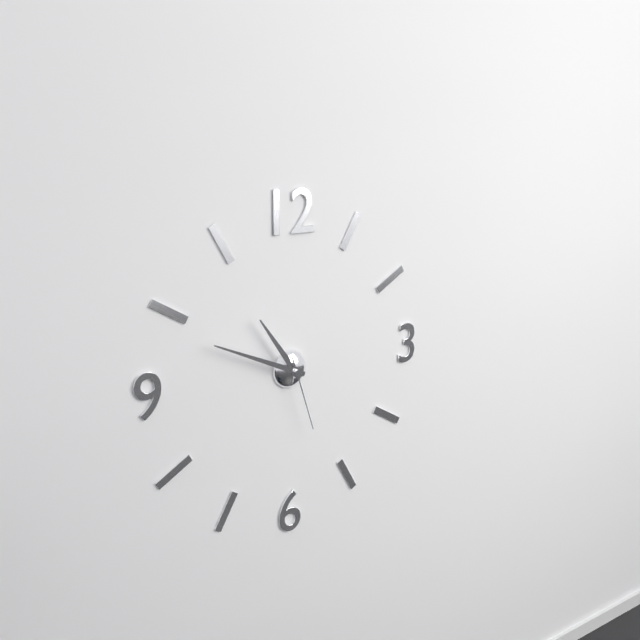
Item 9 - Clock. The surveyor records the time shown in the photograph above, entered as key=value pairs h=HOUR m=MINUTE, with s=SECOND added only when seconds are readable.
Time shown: h=10 m=49 s=27
